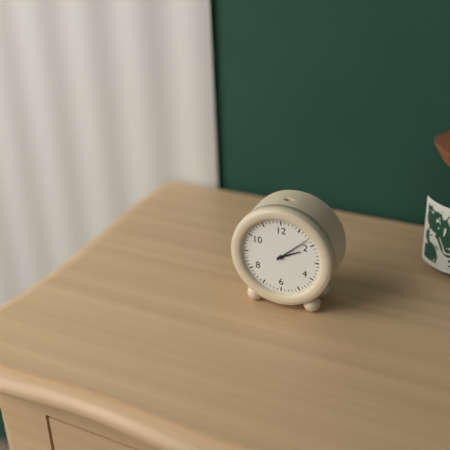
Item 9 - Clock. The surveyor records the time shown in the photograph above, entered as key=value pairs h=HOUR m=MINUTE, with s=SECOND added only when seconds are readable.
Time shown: h=2 m=8
